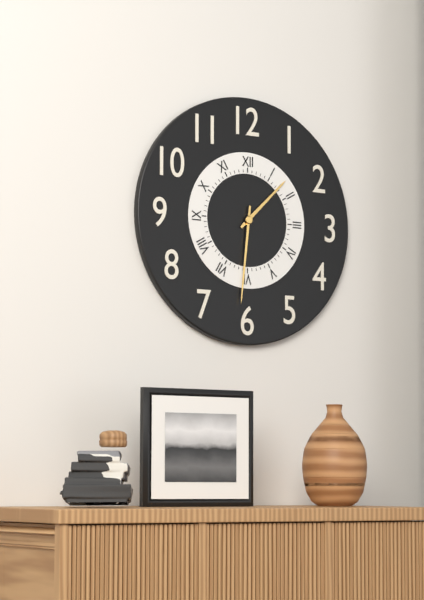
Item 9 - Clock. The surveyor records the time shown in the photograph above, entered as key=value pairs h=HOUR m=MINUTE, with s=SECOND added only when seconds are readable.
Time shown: h=1 m=31
